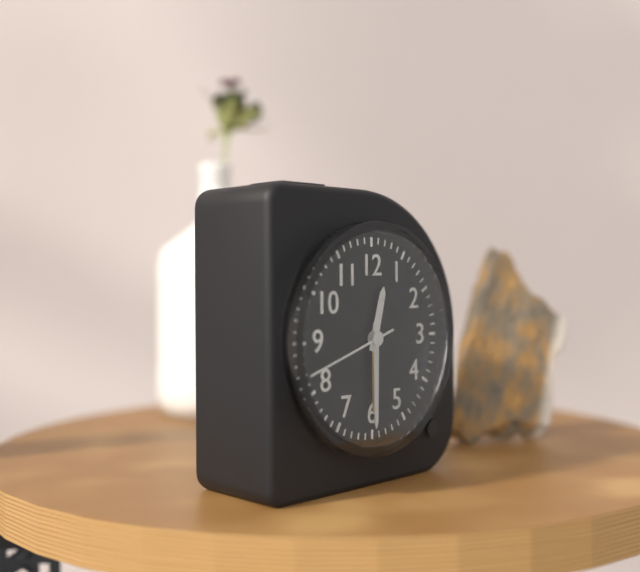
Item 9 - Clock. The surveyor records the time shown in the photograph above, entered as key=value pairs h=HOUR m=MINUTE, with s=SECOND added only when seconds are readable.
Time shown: h=12 m=30 s=42
